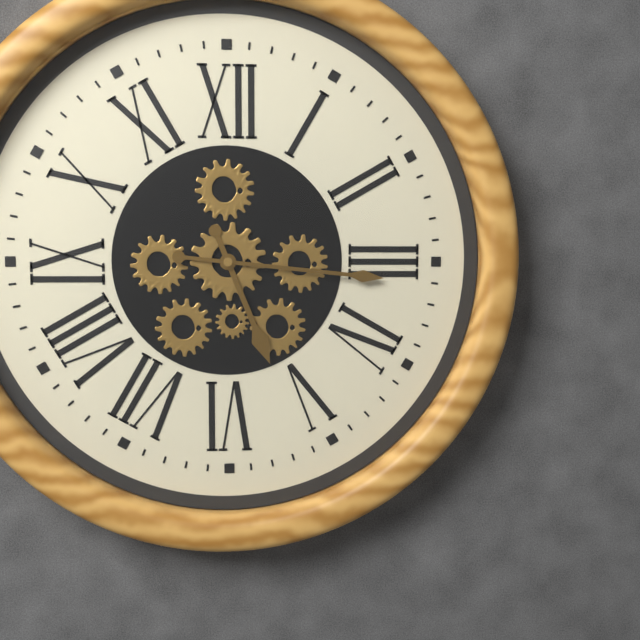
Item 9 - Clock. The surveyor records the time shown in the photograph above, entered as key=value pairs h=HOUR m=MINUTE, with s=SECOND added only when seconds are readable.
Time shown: h=5 m=16
